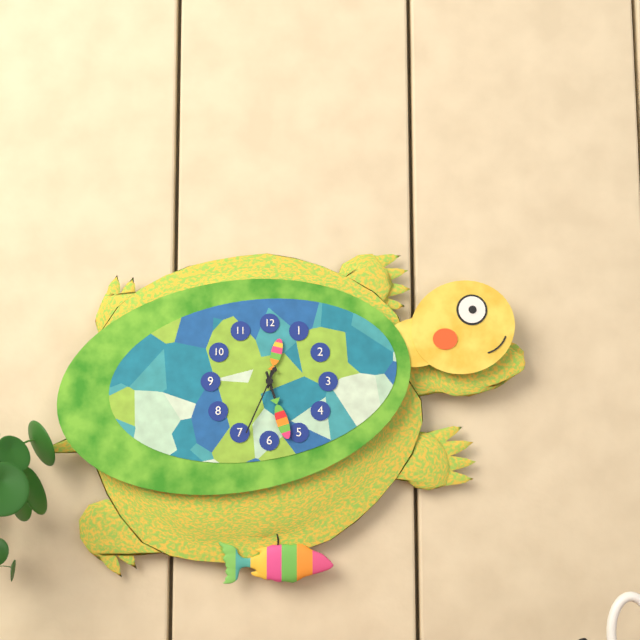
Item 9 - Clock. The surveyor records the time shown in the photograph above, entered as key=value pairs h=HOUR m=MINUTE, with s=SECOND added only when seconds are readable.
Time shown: h=12 m=27 s=34
